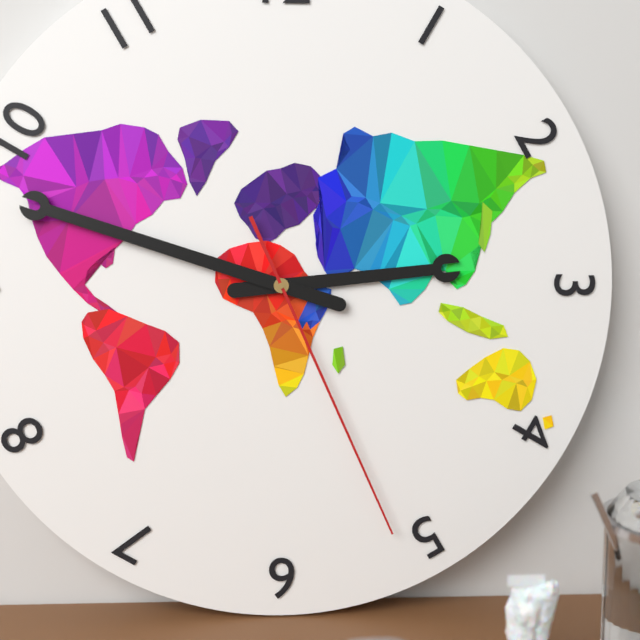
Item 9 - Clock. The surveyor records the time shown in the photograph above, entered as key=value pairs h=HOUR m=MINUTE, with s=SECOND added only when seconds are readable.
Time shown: h=2 m=48 s=26
